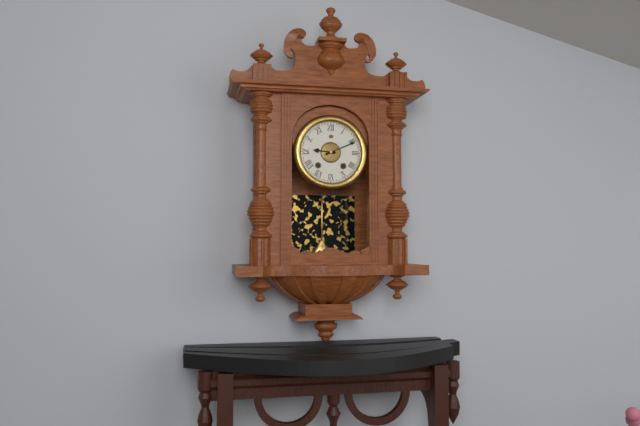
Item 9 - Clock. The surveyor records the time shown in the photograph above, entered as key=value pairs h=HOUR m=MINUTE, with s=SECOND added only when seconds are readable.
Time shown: h=9 m=11
